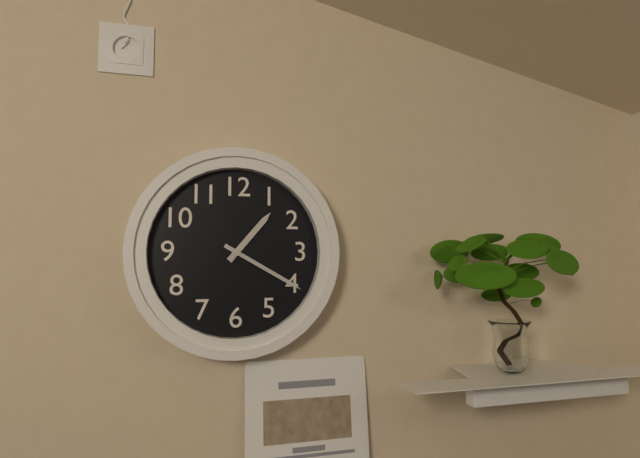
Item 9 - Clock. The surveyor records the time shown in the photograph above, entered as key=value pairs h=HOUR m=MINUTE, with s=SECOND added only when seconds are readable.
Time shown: h=1 m=20
